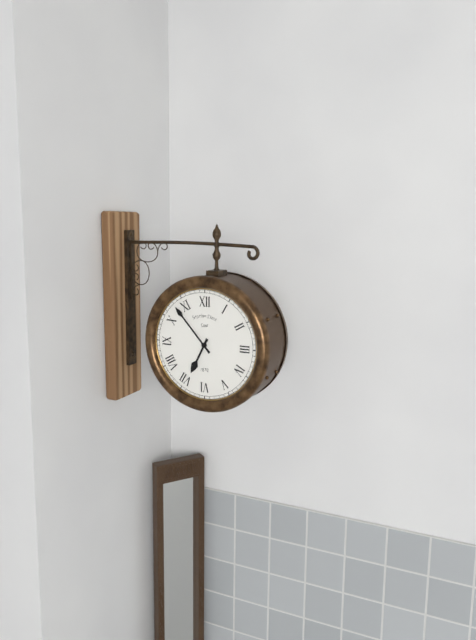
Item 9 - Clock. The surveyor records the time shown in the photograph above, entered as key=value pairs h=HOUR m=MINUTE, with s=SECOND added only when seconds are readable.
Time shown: h=6 m=53
